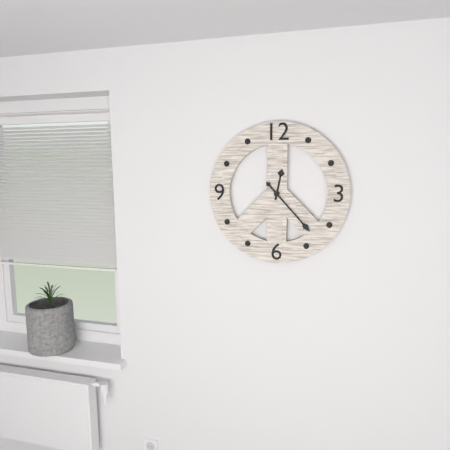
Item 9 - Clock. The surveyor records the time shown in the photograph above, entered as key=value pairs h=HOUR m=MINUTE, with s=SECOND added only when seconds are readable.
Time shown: h=12 m=23
